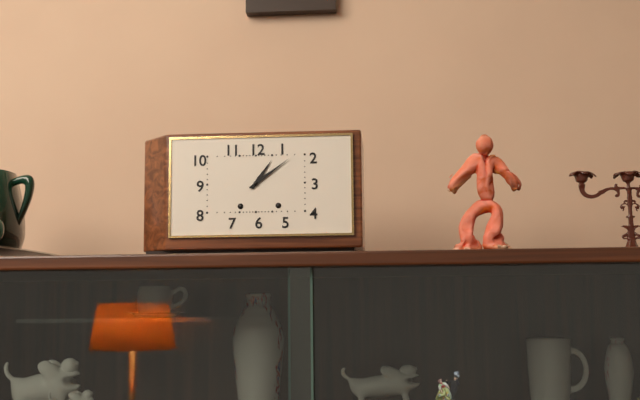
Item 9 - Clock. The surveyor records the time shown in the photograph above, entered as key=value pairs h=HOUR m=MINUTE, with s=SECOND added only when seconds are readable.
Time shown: h=1 m=9
